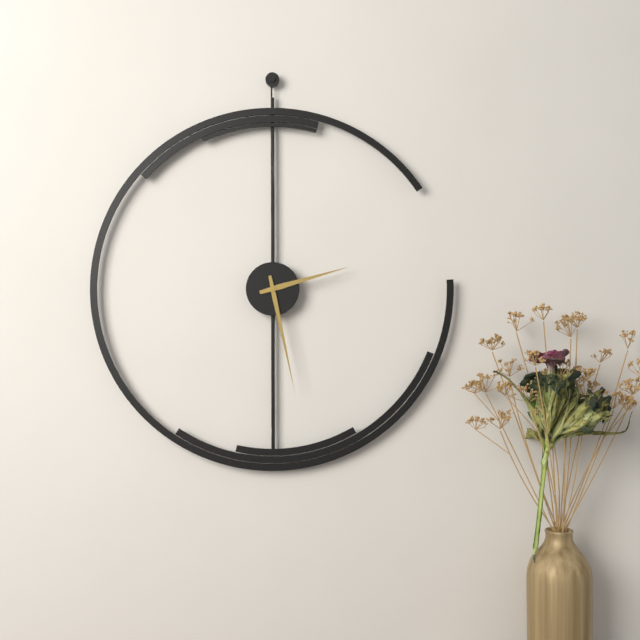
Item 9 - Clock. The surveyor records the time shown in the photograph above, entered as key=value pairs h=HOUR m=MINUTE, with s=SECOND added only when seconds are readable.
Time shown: h=2 m=28
